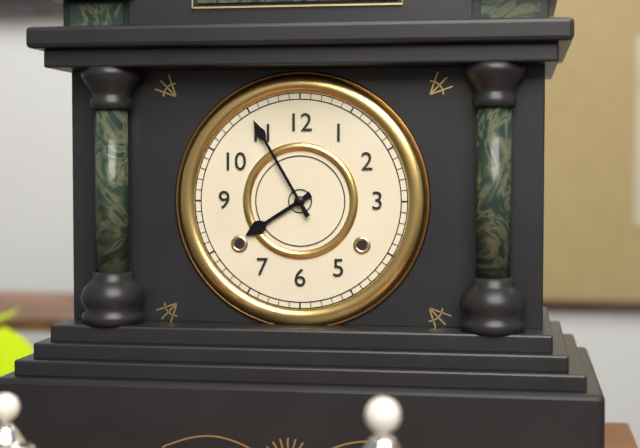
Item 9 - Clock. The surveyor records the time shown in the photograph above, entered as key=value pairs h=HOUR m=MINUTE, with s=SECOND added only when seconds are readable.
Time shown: h=7 m=55
